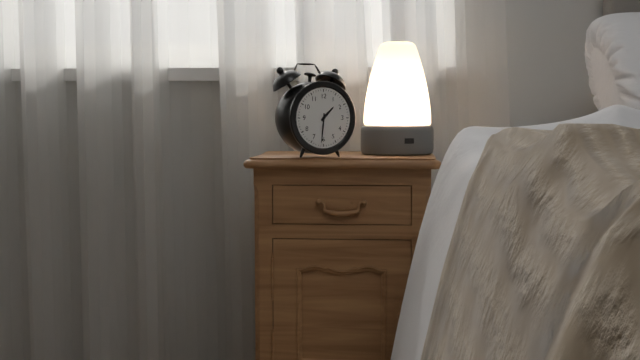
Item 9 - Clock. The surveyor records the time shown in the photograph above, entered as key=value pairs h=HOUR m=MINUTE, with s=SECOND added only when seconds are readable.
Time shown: h=1 m=31
